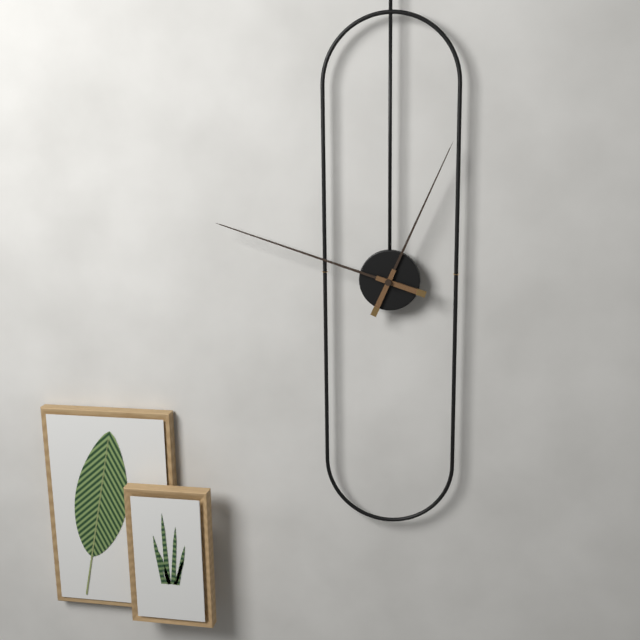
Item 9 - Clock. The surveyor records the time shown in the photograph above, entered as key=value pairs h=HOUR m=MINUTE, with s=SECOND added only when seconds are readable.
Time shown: h=12 m=48
